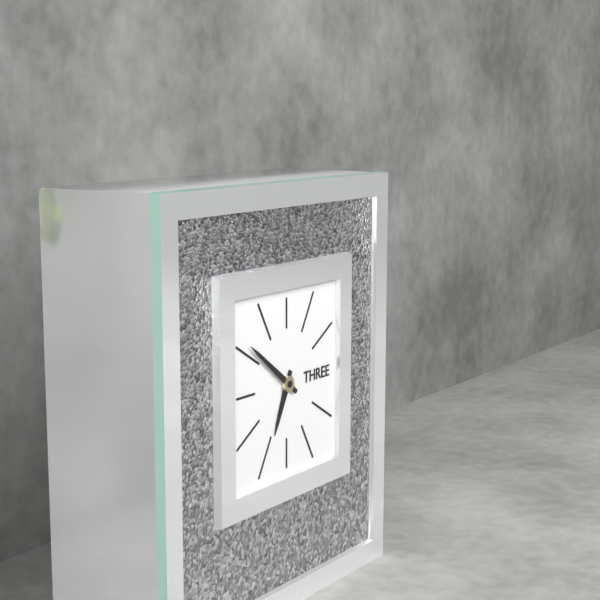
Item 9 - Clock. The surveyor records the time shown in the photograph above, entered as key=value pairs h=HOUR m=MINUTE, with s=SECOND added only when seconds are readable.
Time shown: h=6 m=51
